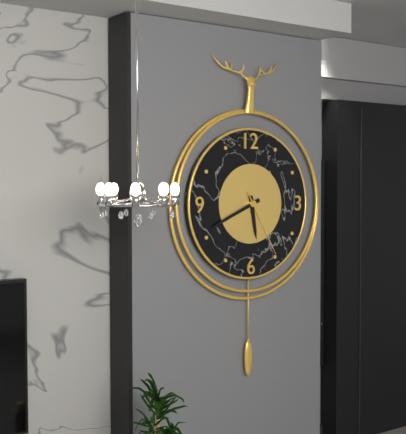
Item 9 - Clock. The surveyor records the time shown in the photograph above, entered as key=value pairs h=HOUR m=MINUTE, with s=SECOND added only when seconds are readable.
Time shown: h=5 m=41 s=25
